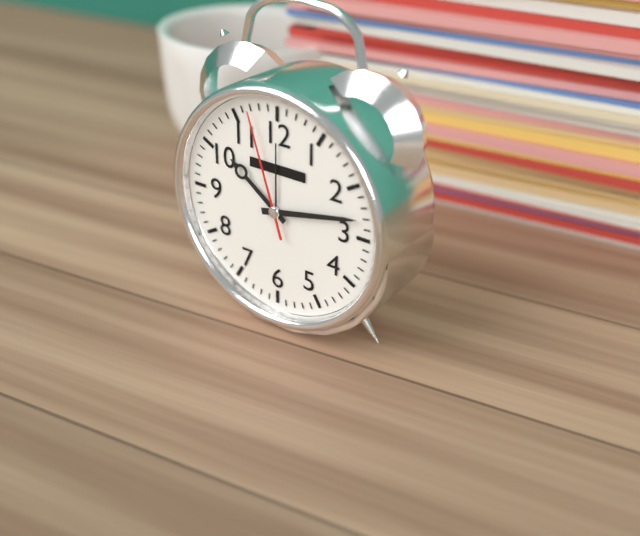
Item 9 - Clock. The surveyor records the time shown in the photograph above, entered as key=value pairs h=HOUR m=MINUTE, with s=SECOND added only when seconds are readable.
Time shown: h=10 m=13 s=57
